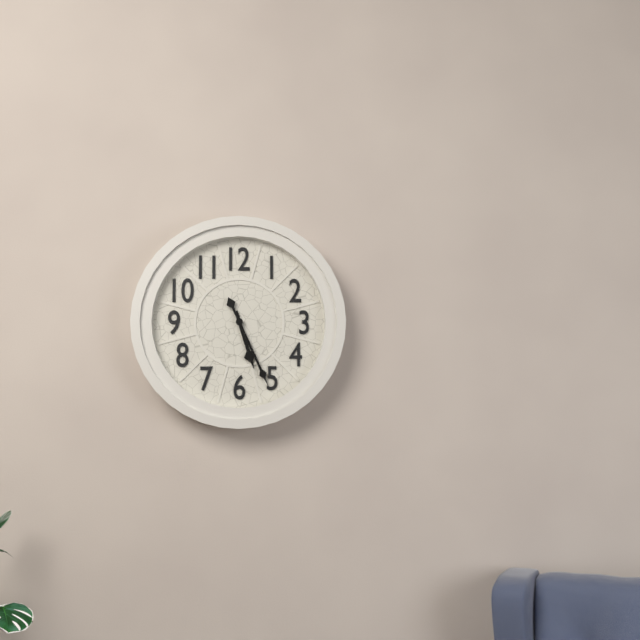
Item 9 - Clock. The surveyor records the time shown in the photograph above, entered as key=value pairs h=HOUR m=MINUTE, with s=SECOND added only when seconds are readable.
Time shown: h=5 m=26
